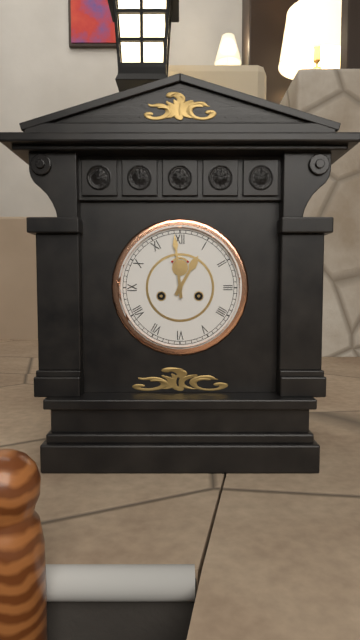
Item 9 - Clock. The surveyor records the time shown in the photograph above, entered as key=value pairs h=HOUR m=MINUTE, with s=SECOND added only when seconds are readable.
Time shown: h=12 m=59
